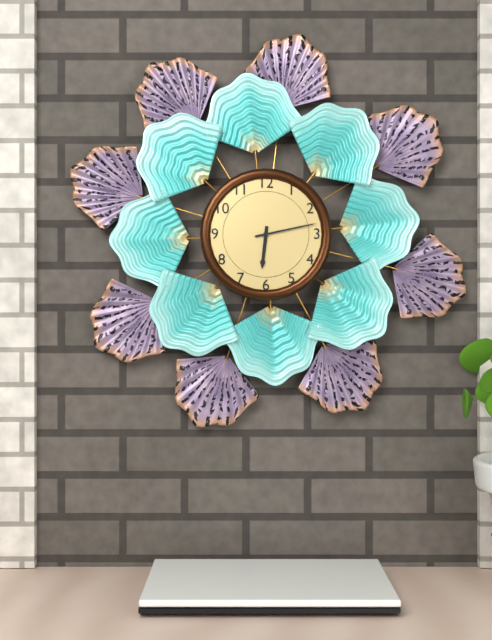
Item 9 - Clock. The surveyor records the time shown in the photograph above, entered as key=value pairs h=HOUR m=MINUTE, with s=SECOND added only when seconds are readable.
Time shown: h=6 m=13
